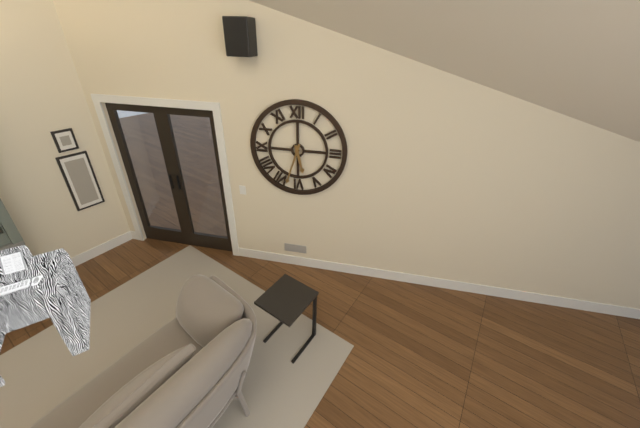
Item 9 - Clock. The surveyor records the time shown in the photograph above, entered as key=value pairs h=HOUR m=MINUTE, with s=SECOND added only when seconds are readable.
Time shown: h=5 m=33
